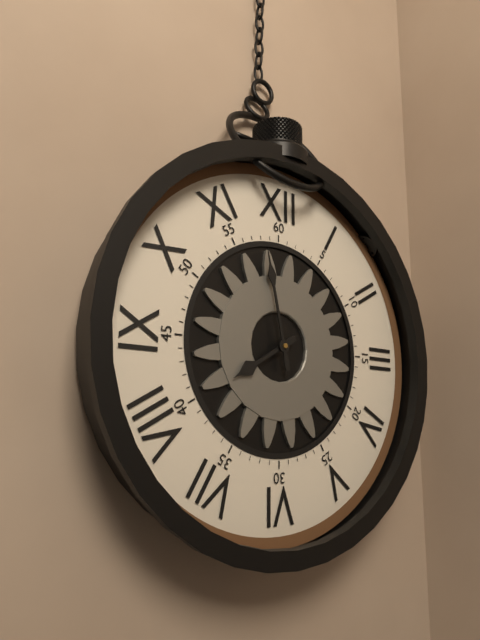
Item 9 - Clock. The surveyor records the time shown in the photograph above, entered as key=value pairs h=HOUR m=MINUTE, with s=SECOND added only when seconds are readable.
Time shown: h=7 m=58
